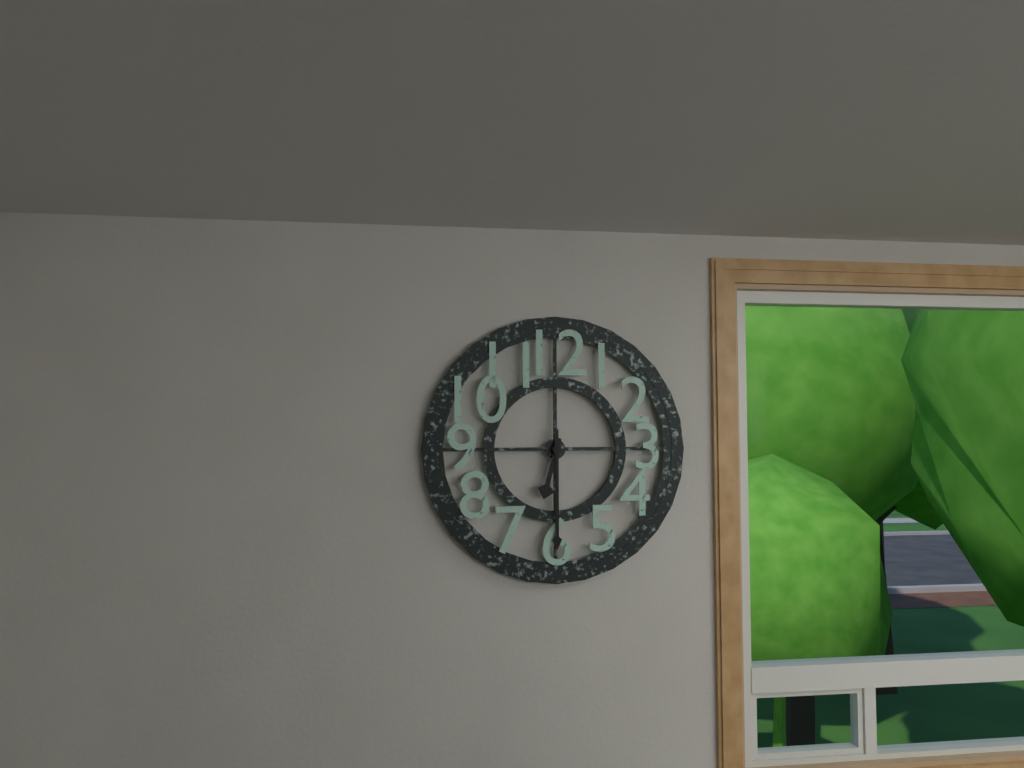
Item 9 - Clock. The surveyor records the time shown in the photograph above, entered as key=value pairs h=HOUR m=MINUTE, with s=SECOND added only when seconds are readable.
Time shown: h=6 m=30
